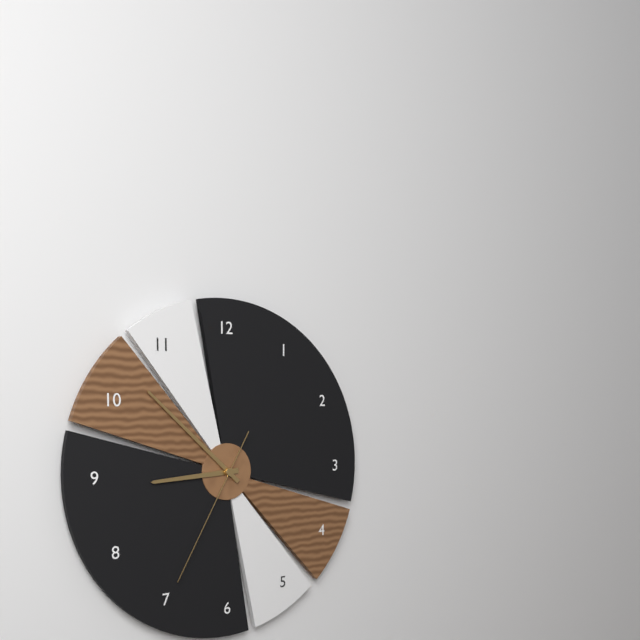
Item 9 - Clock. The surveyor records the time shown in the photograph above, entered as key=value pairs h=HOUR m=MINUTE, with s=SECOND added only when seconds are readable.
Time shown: h=8 m=52 s=35
